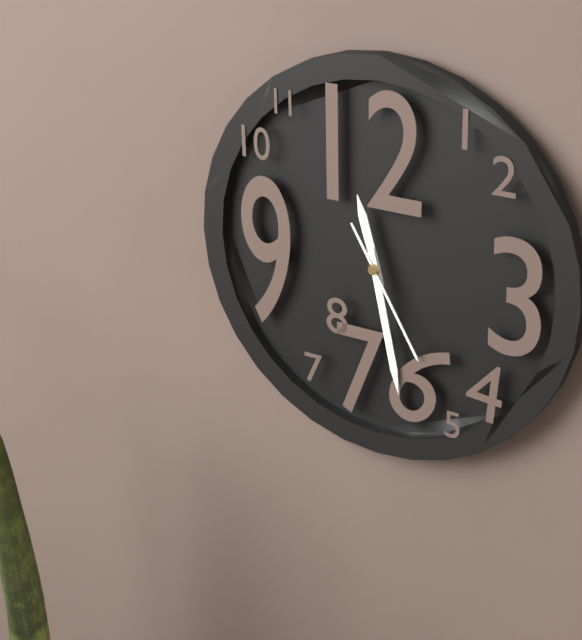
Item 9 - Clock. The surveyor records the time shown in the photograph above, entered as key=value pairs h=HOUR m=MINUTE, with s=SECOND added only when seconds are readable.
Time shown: h=11 m=28 s=25
